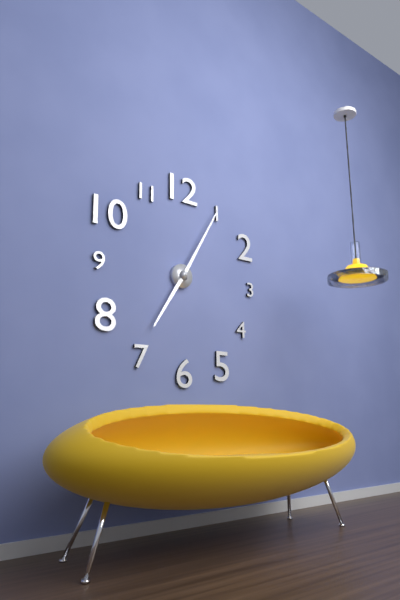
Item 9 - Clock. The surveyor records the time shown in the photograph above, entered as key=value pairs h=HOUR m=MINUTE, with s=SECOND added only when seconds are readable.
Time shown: h=7 m=5
